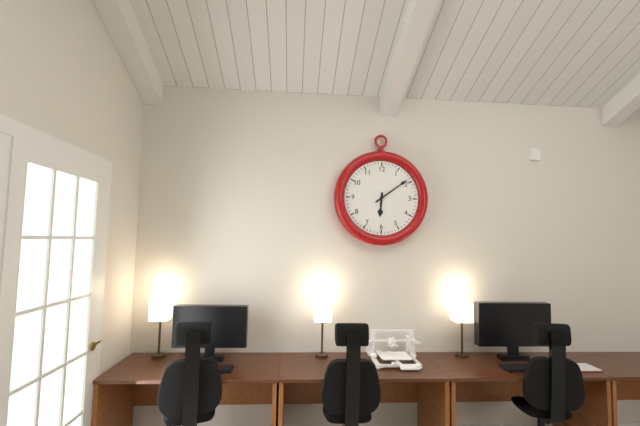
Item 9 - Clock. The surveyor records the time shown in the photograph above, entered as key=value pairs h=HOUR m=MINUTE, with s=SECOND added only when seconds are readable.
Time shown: h=6 m=9
